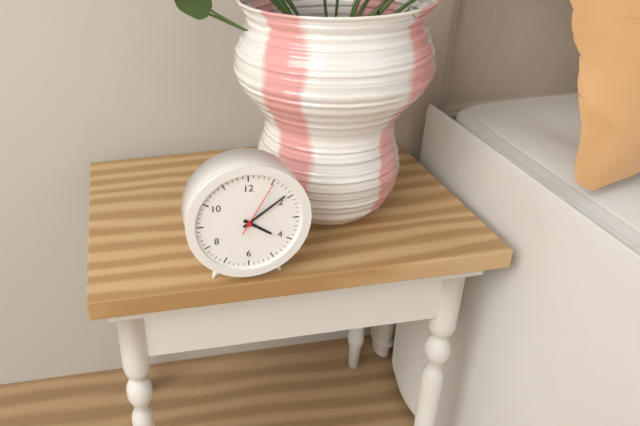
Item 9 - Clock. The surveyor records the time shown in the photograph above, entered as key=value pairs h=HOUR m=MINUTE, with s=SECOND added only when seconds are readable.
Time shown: h=4 m=9 s=5
